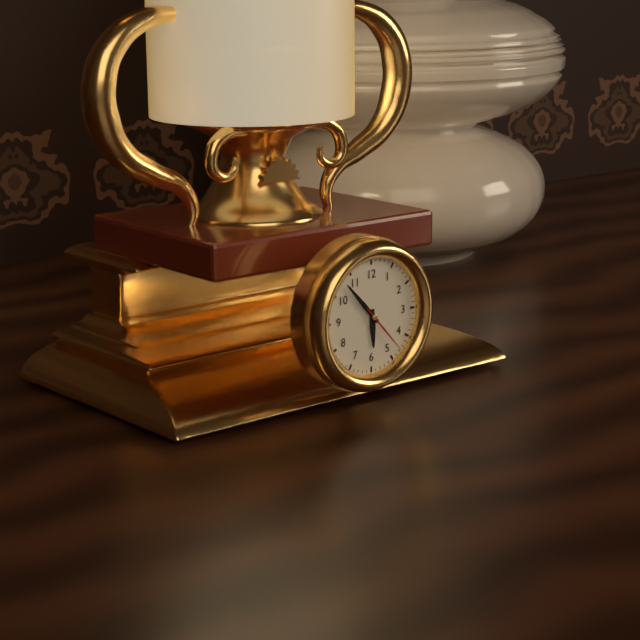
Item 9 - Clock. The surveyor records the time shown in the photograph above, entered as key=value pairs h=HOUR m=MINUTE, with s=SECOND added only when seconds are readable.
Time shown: h=5 m=53 s=23
